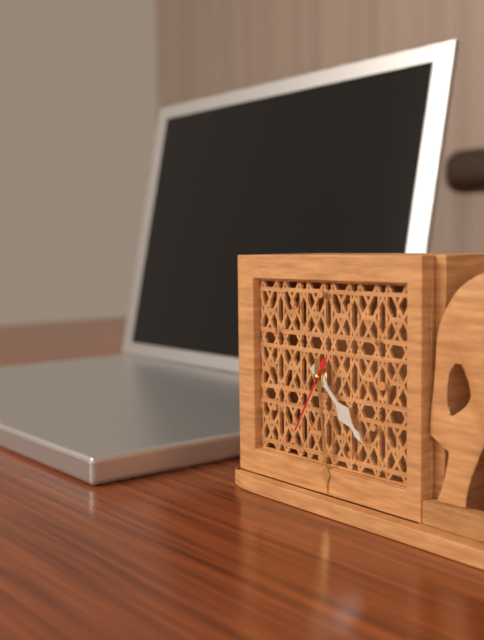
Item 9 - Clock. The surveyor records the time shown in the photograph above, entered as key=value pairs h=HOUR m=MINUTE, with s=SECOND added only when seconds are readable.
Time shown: h=4 m=29 s=35
